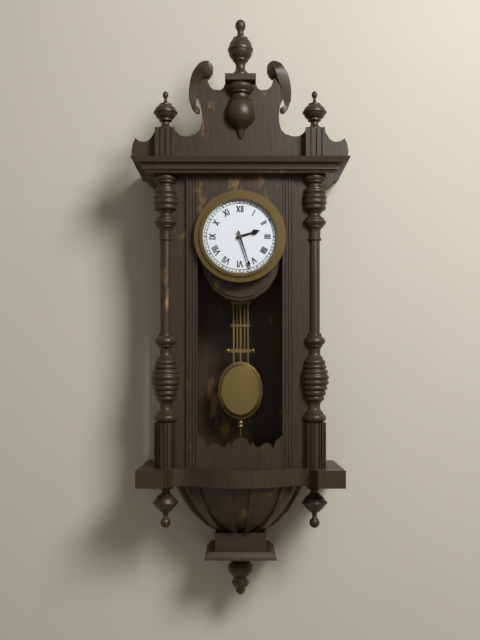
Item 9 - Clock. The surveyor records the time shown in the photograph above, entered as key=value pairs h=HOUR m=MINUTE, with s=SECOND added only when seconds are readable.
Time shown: h=2 m=27
